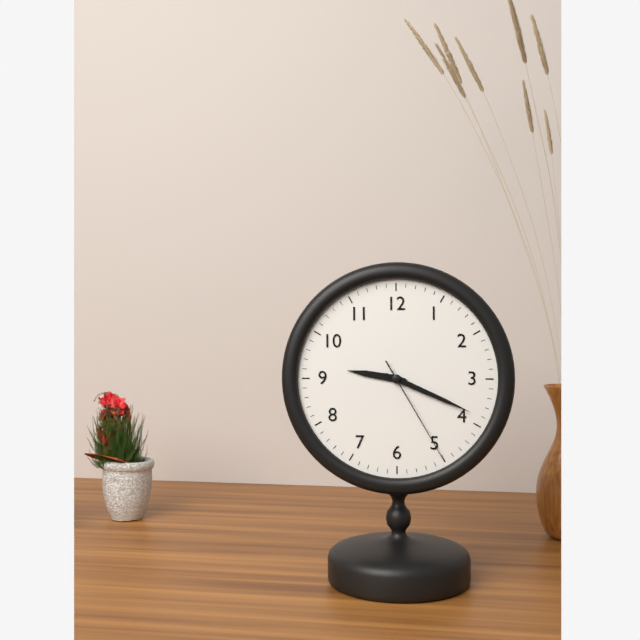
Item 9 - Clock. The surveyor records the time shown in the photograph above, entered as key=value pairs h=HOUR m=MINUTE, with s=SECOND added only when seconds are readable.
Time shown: h=9 m=19 s=25
